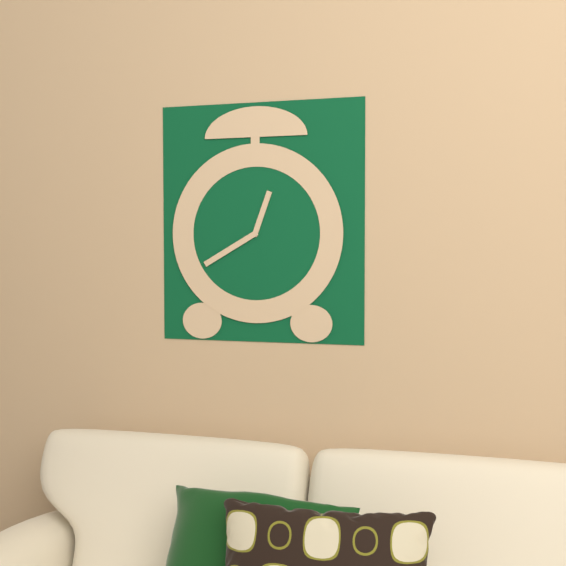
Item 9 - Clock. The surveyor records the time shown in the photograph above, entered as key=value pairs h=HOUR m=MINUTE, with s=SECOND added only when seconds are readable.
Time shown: h=12 m=40
